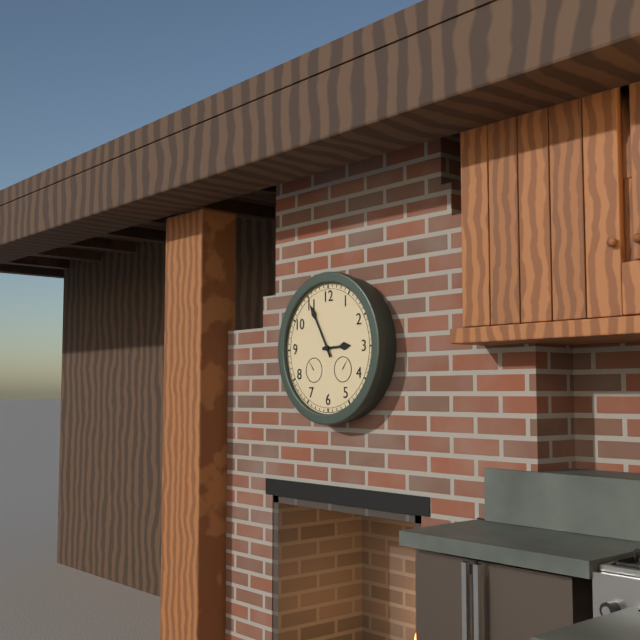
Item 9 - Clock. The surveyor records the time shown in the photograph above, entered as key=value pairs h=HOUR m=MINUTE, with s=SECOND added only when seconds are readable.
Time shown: h=2 m=55
